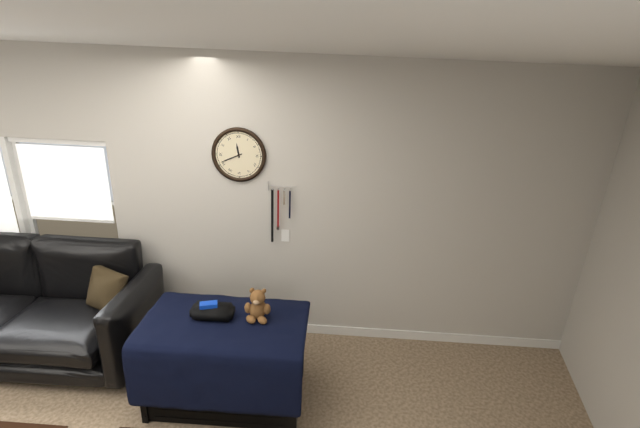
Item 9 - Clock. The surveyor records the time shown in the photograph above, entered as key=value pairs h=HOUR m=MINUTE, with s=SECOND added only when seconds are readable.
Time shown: h=11 m=41
